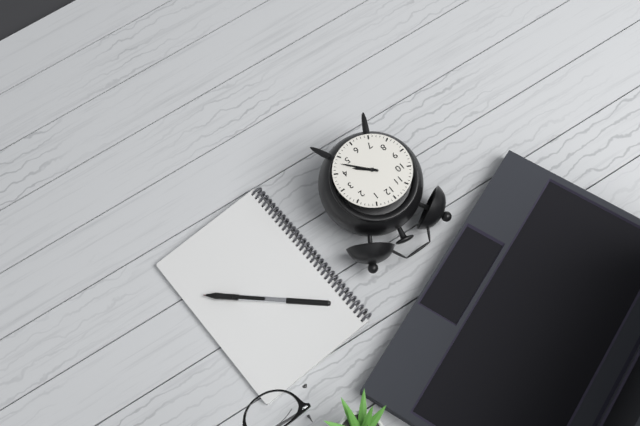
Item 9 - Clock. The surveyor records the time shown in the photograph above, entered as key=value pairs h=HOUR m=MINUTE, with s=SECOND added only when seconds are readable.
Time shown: h=4 m=23
